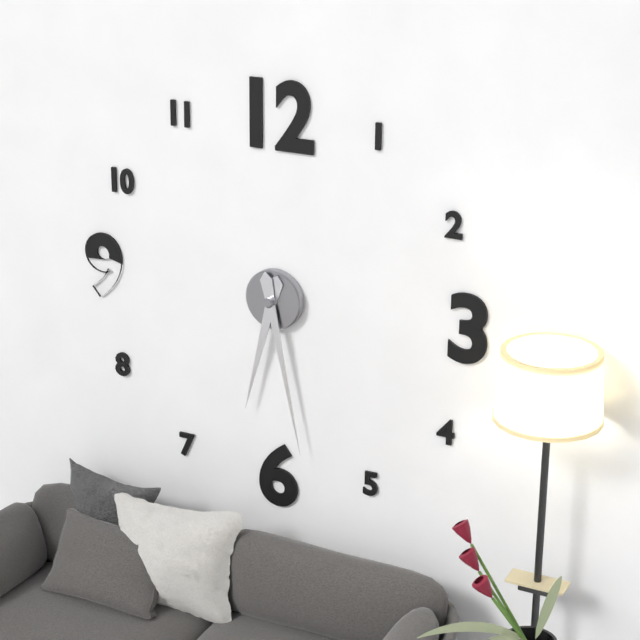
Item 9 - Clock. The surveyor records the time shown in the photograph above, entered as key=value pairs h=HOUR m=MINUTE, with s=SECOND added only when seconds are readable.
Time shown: h=6 m=28
